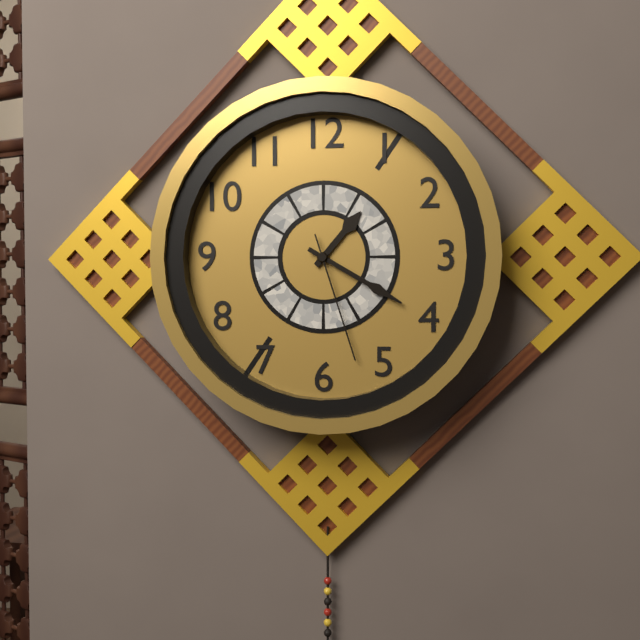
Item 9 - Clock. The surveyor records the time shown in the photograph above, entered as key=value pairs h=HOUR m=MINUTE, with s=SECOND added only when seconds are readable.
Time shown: h=1 m=20 s=27
